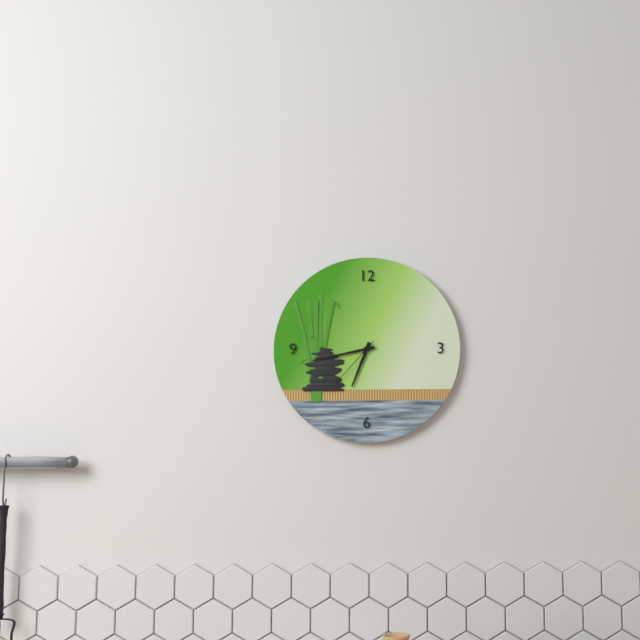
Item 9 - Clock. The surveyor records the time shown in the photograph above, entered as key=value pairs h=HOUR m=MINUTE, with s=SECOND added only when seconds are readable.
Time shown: h=6 m=43 s=37
